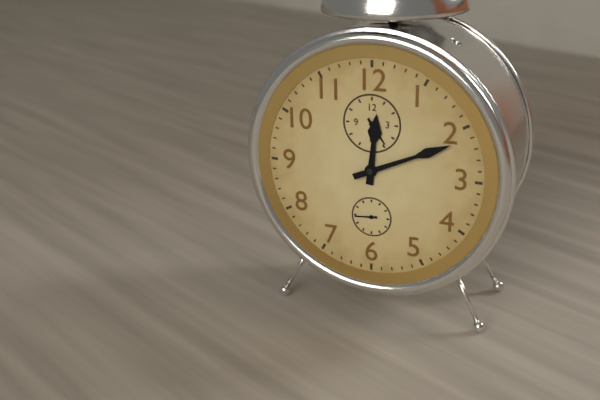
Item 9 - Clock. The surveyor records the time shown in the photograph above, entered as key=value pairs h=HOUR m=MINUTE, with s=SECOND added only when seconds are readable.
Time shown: h=12 m=11
